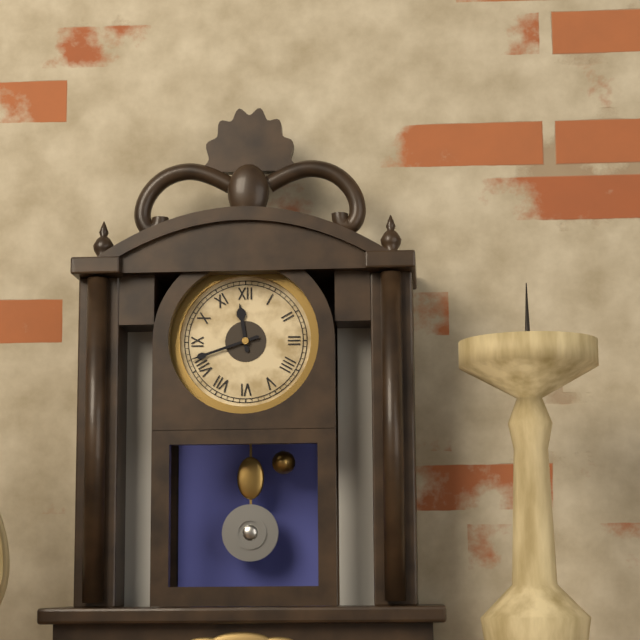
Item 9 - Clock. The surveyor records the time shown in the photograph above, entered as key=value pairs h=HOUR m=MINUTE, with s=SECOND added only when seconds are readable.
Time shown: h=11 m=42
